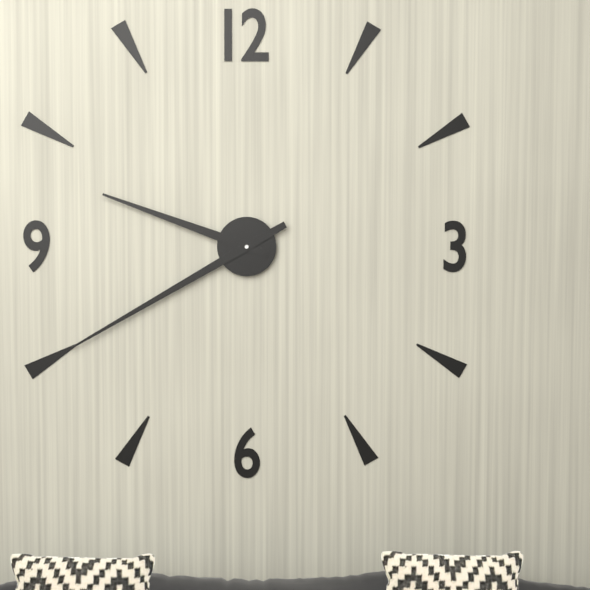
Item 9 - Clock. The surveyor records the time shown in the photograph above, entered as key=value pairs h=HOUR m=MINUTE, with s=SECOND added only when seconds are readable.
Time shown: h=9 m=40
